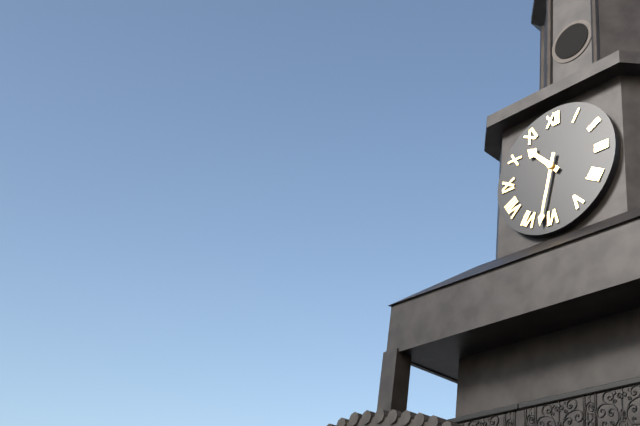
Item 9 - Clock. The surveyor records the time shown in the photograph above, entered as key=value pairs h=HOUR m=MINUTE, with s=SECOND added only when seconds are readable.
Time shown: h=10 m=32
